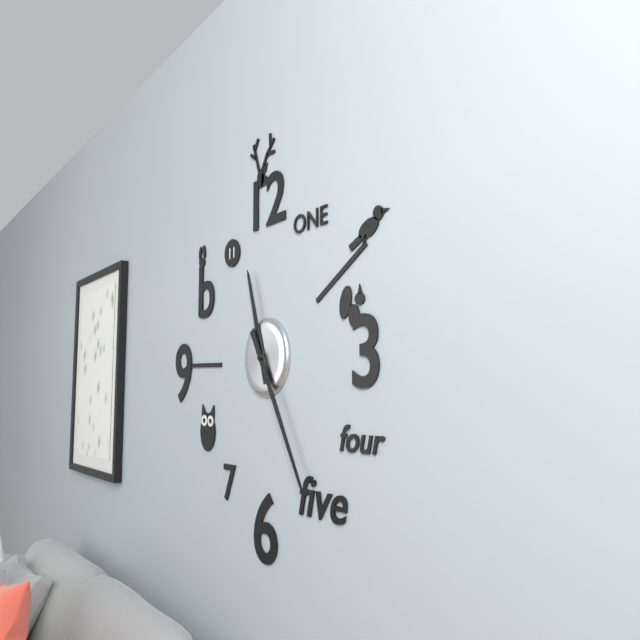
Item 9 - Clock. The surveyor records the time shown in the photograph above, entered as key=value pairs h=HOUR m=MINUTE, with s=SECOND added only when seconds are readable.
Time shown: h=11 m=25
